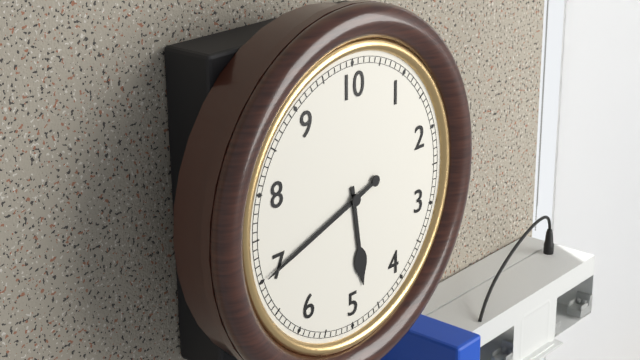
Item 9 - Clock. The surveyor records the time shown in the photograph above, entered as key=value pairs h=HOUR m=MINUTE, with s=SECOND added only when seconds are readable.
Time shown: h=5 m=42
